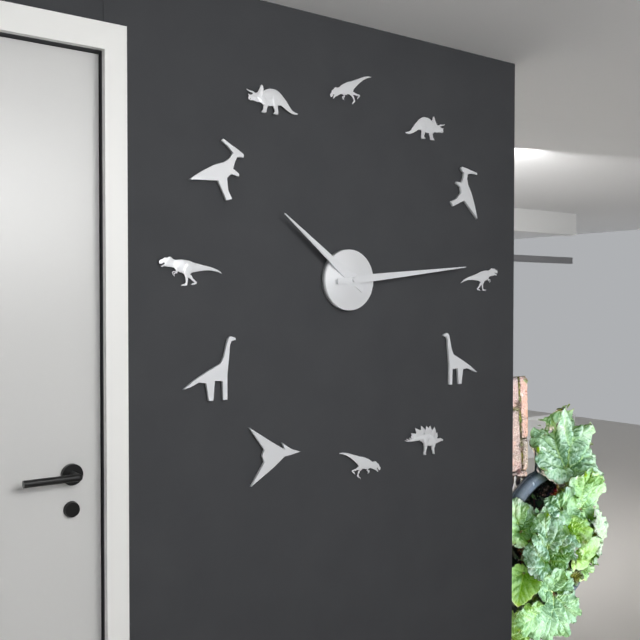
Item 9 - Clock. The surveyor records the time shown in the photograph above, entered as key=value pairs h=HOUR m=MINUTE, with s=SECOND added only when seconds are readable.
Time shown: h=10 m=14
